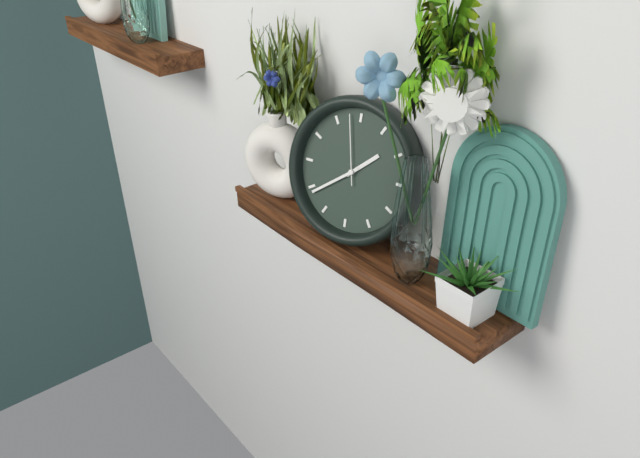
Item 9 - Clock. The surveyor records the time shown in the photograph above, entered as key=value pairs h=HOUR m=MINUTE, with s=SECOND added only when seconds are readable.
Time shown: h=1 m=39 s=58
